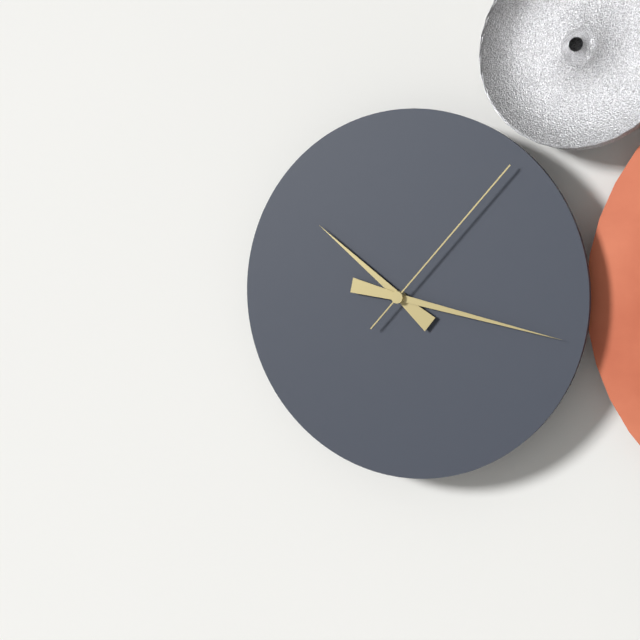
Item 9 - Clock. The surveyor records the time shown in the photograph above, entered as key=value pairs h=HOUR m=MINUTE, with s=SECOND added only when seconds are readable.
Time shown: h=10 m=17 s=7
